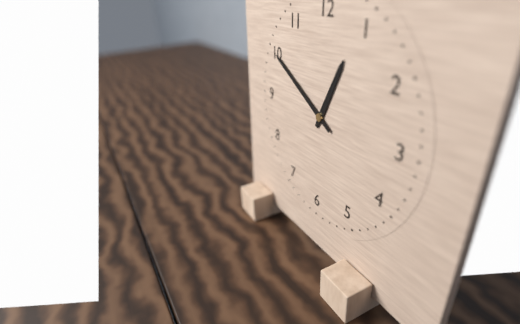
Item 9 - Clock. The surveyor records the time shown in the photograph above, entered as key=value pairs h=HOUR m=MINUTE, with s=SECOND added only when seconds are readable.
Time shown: h=12 m=50
